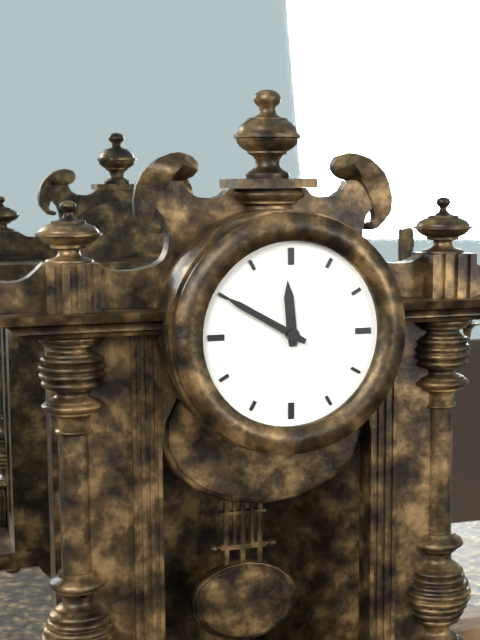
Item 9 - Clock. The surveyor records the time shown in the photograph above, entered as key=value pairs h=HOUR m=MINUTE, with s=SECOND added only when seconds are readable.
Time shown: h=11 m=50
